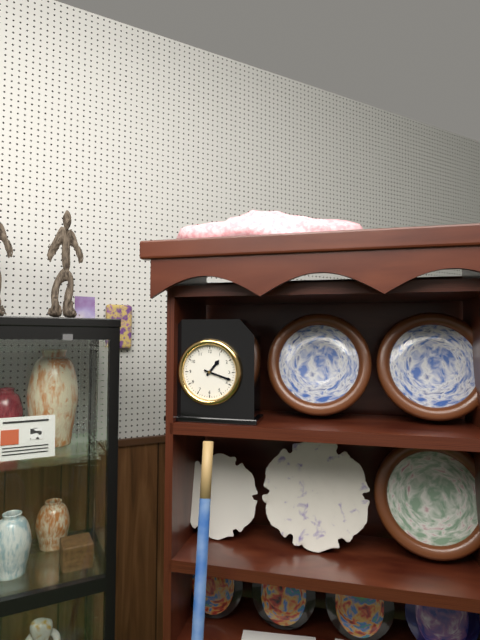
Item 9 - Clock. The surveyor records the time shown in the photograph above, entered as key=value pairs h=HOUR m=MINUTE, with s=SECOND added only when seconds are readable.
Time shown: h=1 m=18
